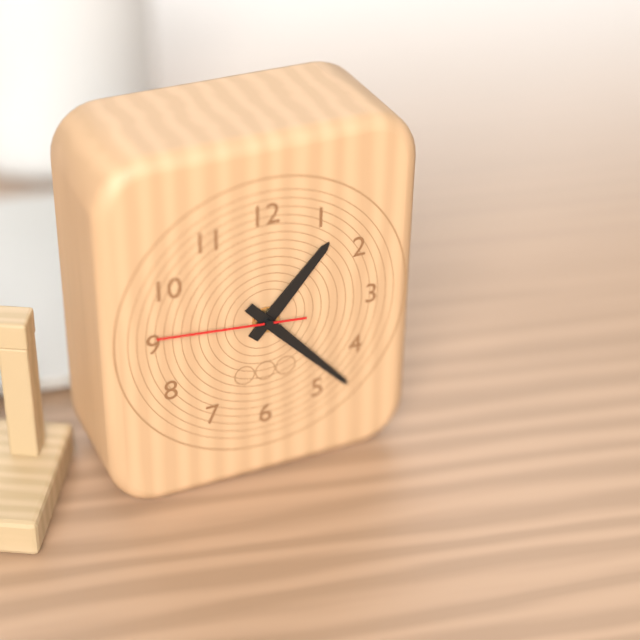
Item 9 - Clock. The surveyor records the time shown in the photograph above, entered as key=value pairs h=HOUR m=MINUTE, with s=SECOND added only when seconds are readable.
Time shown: h=1 m=23 s=46
